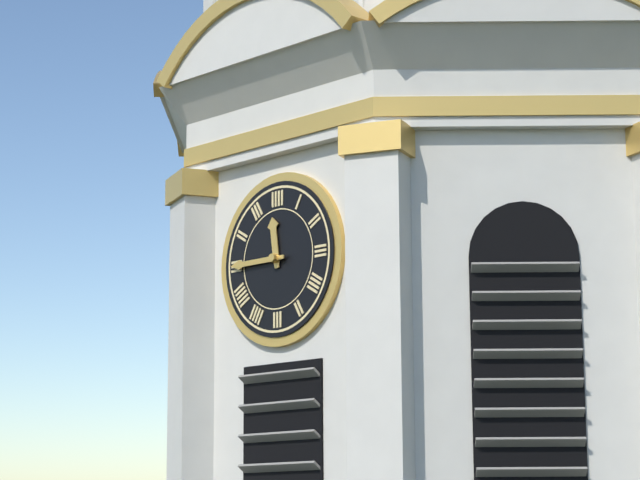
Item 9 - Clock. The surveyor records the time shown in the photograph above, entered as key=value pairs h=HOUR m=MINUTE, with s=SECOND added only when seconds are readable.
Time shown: h=11 m=45
